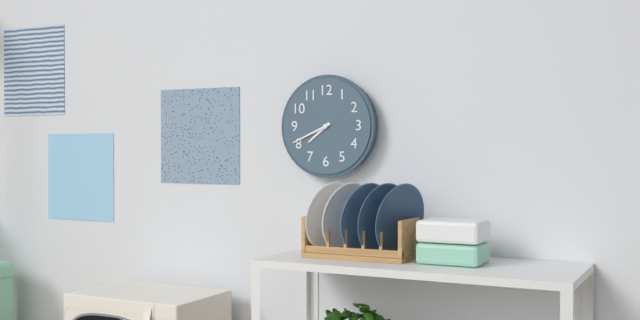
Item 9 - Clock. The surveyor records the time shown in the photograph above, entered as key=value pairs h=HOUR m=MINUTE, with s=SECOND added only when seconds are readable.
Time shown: h=7 m=41
